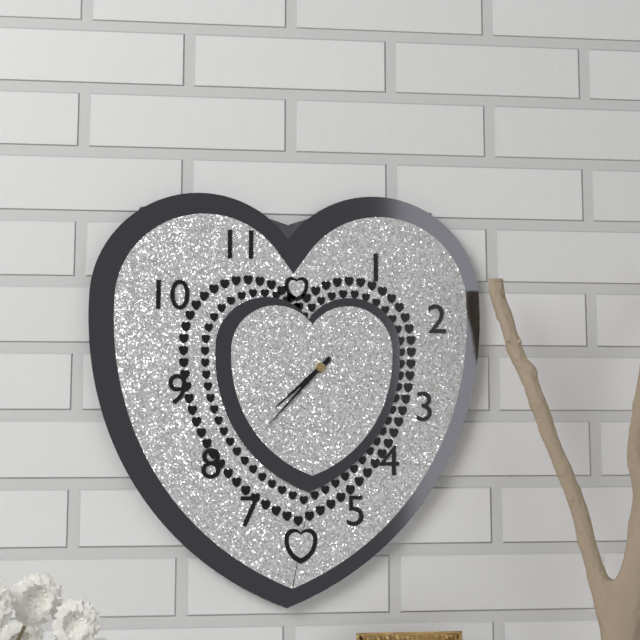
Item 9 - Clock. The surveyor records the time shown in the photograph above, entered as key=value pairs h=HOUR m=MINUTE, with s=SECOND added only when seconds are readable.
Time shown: h=7 m=37
